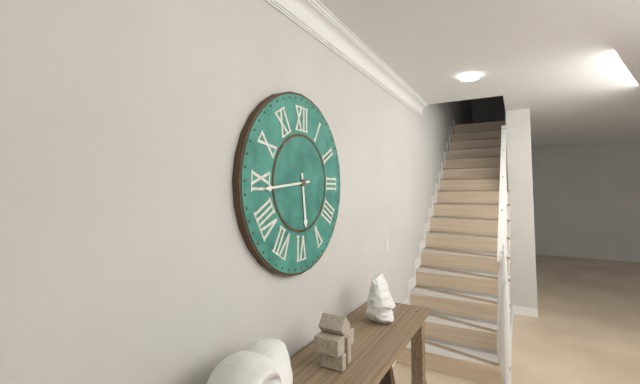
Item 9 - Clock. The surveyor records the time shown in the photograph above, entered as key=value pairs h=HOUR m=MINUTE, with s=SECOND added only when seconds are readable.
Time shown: h=5 m=44
